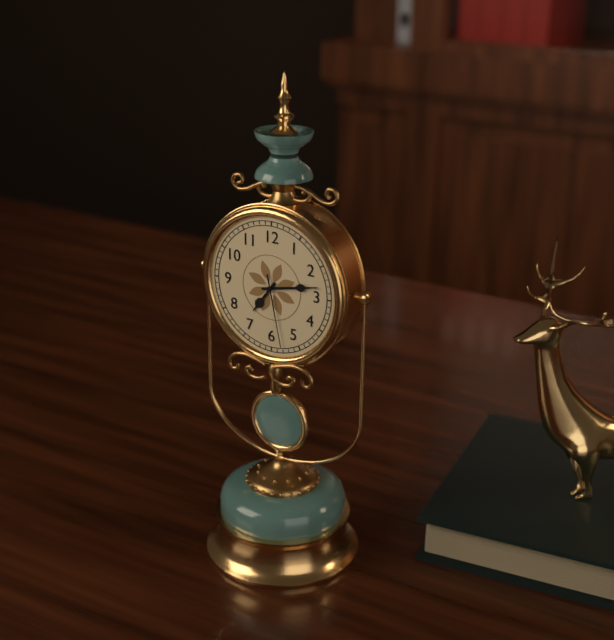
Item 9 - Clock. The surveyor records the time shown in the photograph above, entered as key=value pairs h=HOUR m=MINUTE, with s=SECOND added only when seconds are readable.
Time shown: h=7 m=13 s=28
